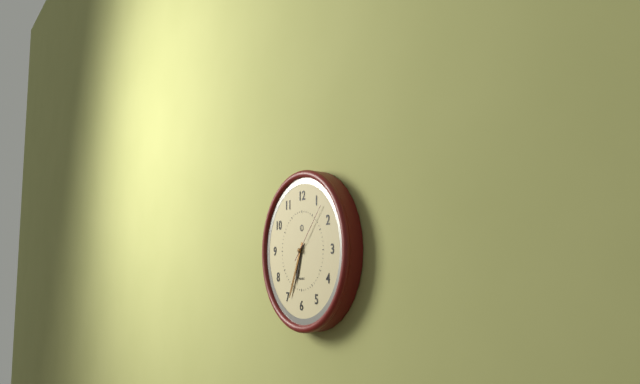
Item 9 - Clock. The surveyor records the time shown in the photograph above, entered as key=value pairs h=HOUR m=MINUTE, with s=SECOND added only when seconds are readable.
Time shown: h=6 m=34 s=7
